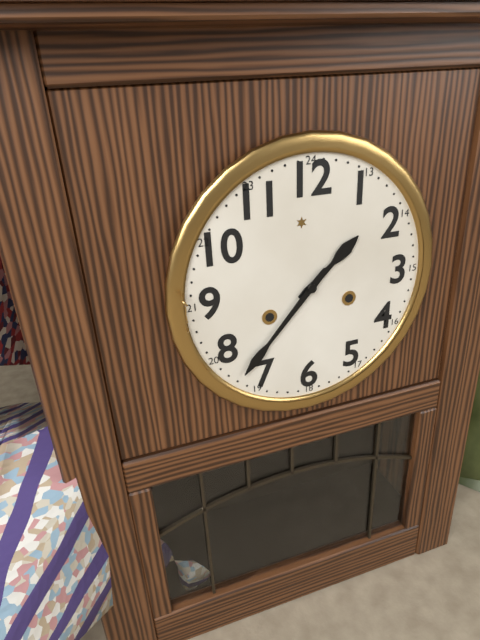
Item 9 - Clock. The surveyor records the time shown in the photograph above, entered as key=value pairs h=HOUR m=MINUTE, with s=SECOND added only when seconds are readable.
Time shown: h=1 m=37
